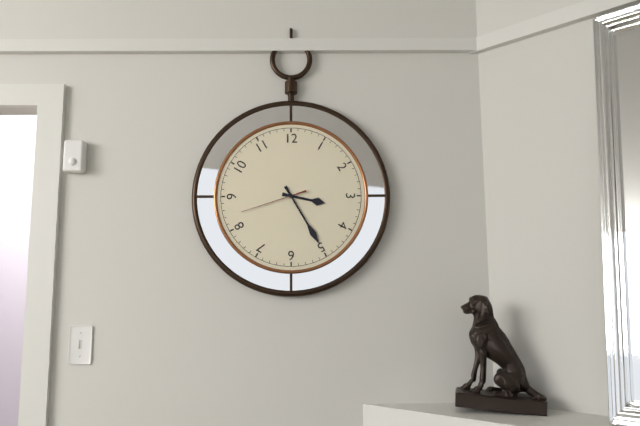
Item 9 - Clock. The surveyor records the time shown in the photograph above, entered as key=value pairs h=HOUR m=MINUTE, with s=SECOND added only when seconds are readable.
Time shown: h=3 m=25 s=42
